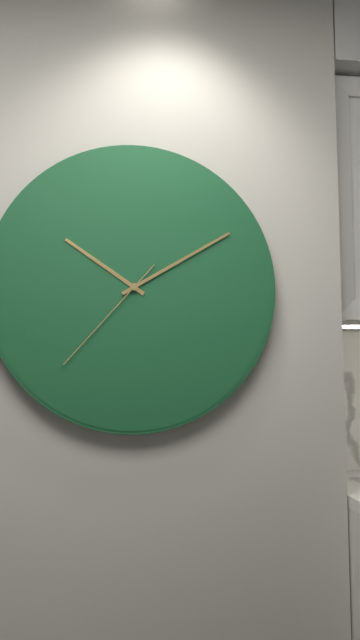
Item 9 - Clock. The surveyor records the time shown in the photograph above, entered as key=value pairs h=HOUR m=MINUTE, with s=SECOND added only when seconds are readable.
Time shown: h=10 m=10 s=37
